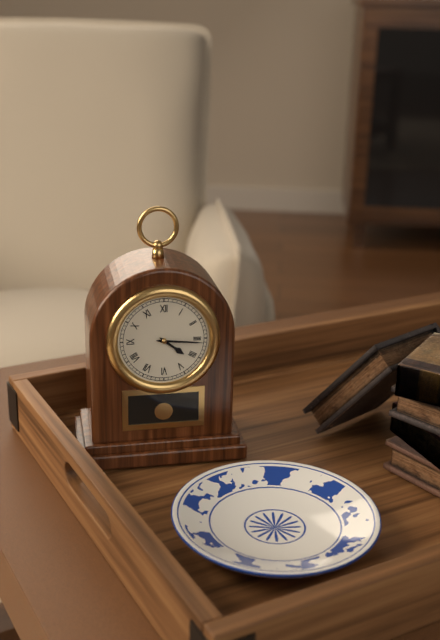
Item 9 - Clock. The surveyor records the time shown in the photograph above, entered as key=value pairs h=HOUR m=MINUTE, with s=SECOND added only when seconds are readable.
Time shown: h=4 m=16
